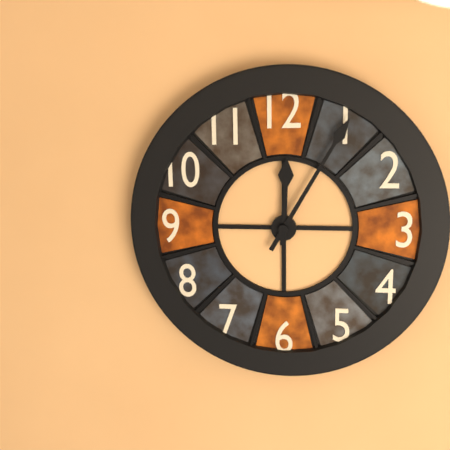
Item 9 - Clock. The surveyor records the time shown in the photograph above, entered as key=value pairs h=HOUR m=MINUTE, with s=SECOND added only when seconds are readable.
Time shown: h=12 m=5
